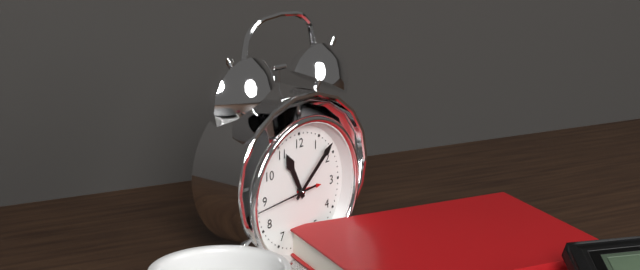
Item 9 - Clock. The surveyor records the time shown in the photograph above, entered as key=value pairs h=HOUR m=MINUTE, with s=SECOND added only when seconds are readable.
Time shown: h=11 m=8 s=44
